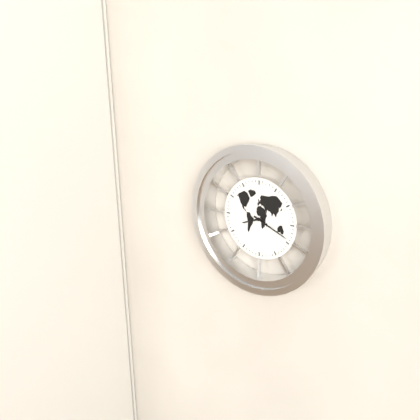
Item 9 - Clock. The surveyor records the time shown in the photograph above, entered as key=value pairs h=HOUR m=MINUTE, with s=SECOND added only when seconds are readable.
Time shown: h=8 m=19
